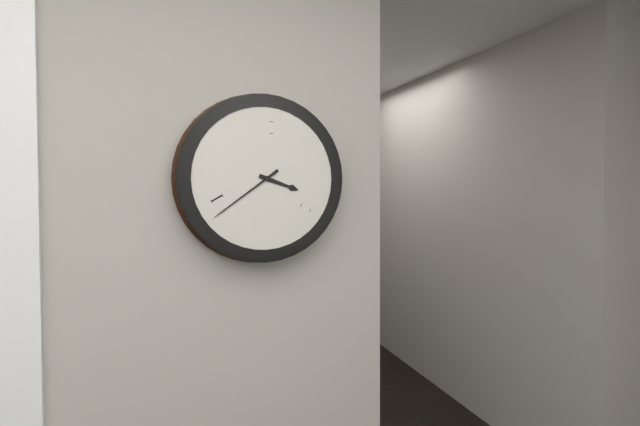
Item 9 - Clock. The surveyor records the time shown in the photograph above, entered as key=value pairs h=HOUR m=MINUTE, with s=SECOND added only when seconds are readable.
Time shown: h=3 m=39
